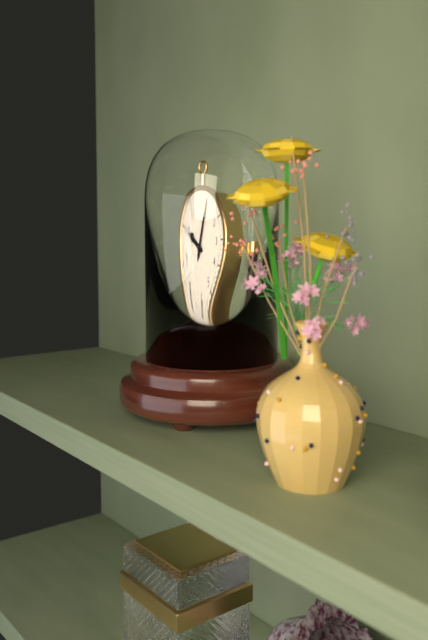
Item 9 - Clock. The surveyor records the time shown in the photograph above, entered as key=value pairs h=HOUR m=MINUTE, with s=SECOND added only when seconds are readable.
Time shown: h=10 m=4
